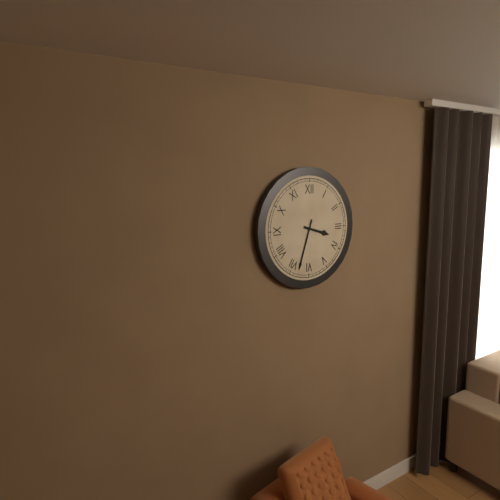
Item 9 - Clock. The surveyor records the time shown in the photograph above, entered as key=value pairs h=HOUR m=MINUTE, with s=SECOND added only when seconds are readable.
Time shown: h=3 m=33
